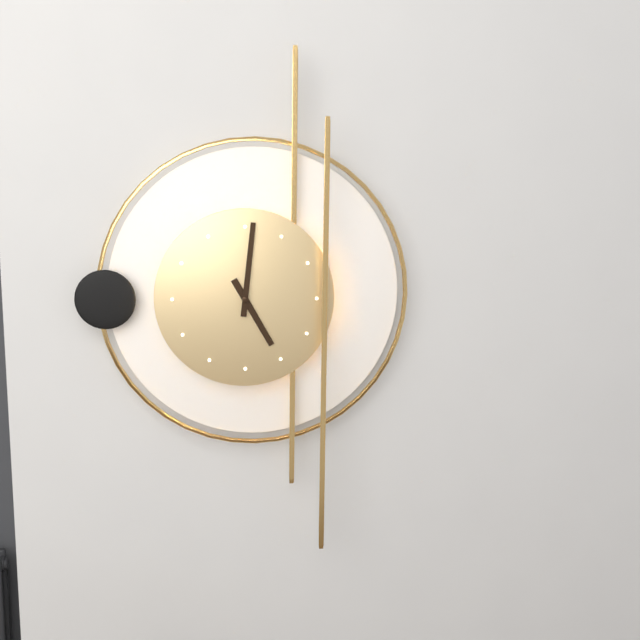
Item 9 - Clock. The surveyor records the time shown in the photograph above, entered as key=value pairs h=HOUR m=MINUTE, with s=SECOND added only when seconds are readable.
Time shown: h=5 m=1
